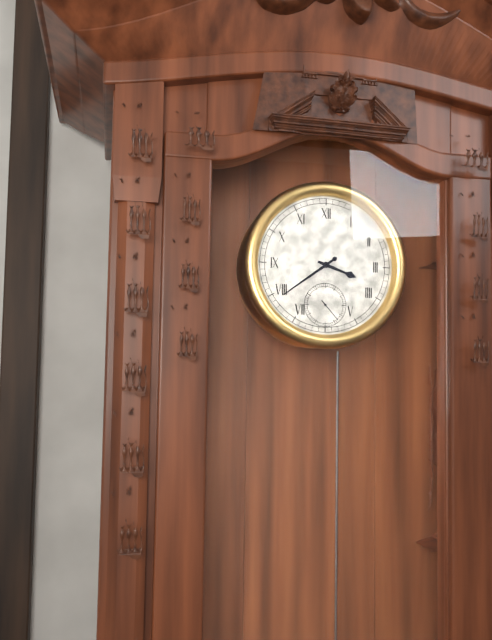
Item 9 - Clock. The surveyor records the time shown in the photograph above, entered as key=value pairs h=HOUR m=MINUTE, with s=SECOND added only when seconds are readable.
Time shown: h=3 m=39
